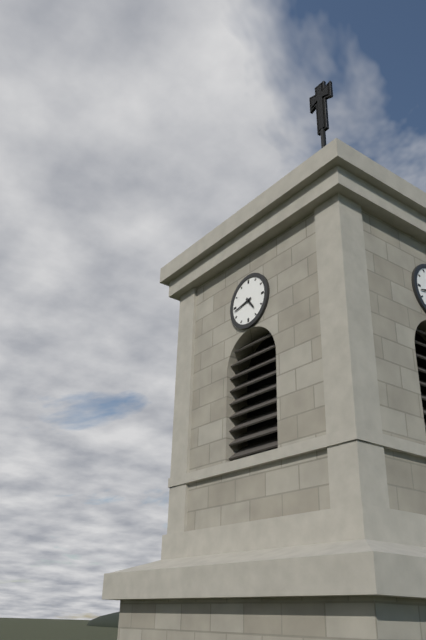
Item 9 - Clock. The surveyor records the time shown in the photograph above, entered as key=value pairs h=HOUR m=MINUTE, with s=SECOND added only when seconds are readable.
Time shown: h=4 m=43
